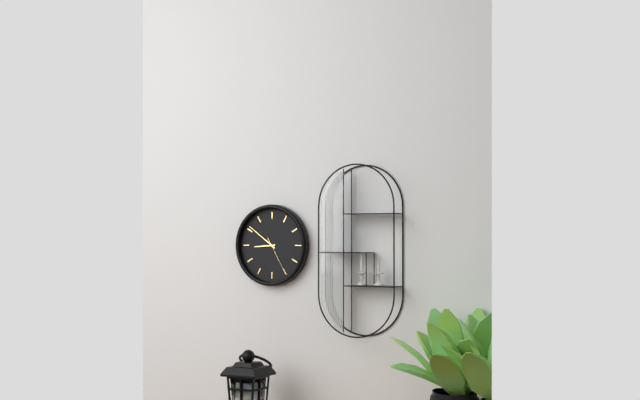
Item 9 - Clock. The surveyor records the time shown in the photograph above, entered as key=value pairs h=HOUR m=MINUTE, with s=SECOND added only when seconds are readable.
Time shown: h=8 m=51
